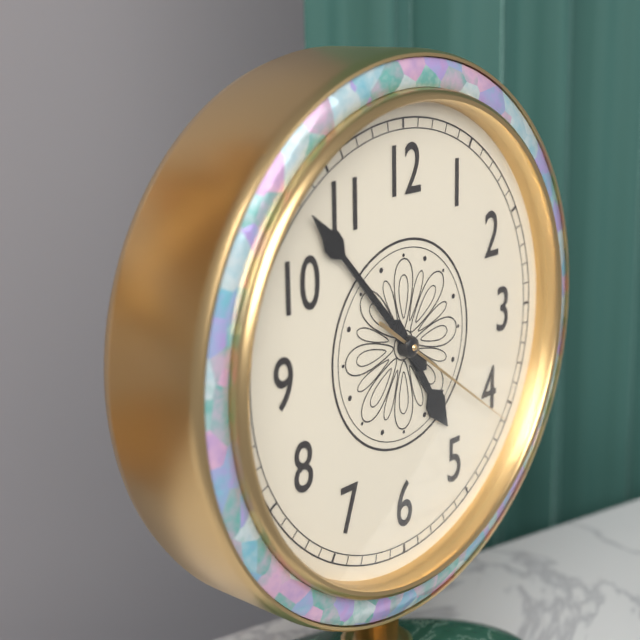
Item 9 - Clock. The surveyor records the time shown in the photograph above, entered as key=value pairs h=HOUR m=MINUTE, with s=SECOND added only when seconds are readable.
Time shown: h=4 m=53 s=21
